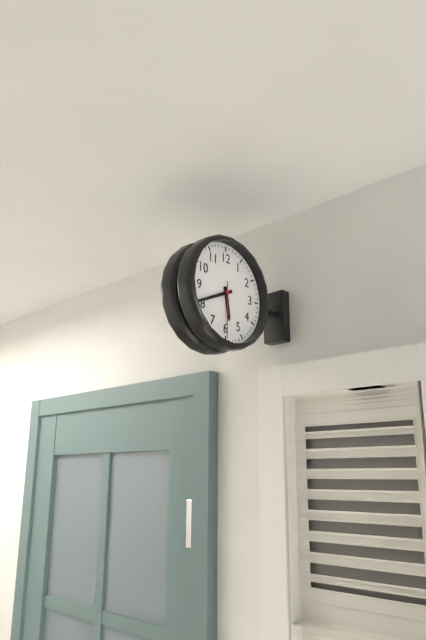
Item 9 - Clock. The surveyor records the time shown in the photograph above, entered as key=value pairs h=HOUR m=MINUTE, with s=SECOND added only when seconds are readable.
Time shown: h=5 m=41 s=30
